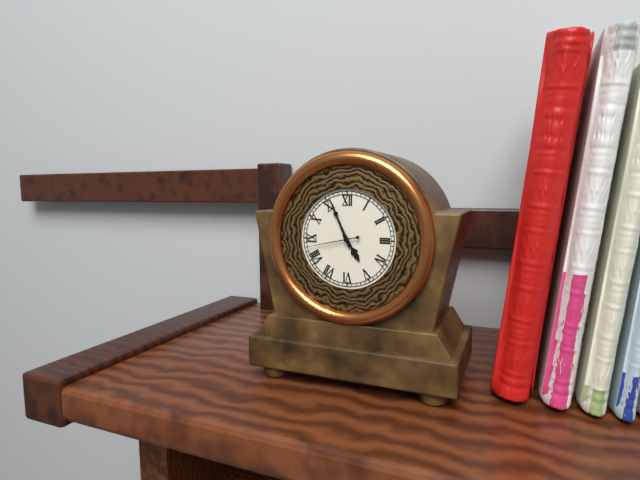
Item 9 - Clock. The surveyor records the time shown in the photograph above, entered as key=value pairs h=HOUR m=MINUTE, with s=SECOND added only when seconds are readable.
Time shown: h=4 m=56 s=43
